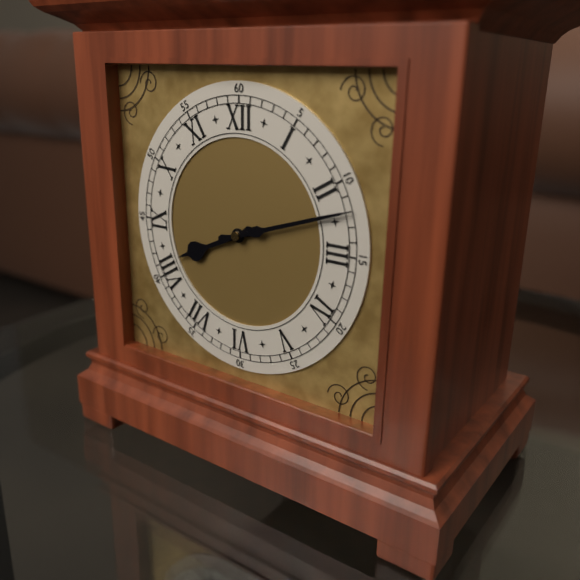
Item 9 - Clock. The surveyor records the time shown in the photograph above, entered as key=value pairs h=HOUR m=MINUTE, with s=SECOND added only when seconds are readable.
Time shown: h=8 m=12
